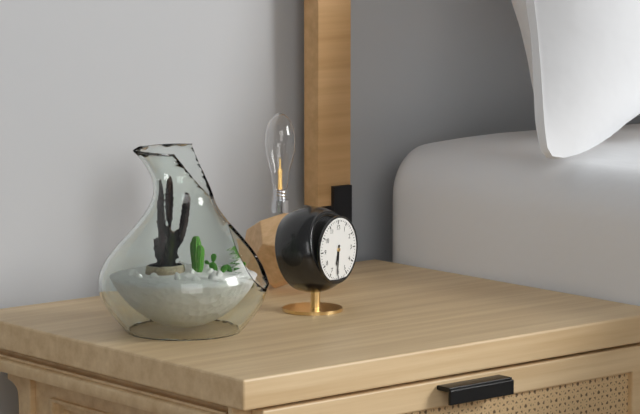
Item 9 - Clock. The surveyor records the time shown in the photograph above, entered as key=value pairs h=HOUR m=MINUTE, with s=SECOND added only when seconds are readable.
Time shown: h=6 m=31
